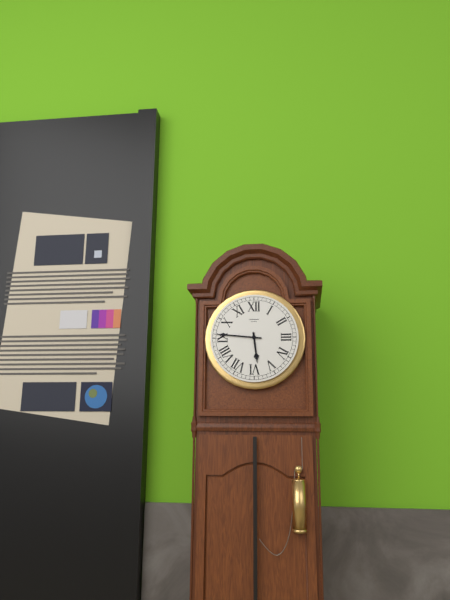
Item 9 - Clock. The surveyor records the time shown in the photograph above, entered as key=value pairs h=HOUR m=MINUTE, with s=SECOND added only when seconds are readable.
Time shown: h=5 m=46
